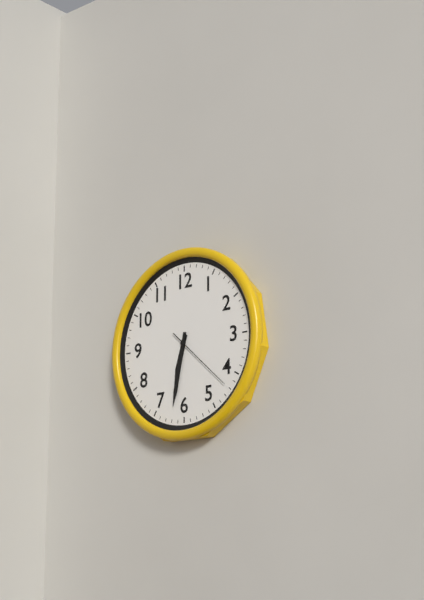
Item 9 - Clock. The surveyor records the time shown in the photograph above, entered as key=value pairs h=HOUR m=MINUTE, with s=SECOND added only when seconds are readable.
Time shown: h=6 m=32 s=22
